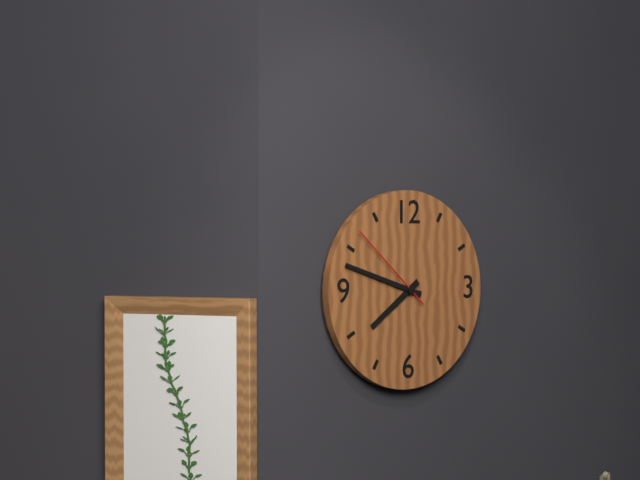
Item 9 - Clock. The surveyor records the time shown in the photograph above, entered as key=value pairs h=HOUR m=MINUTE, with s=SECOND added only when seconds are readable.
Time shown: h=7 m=48 s=52
